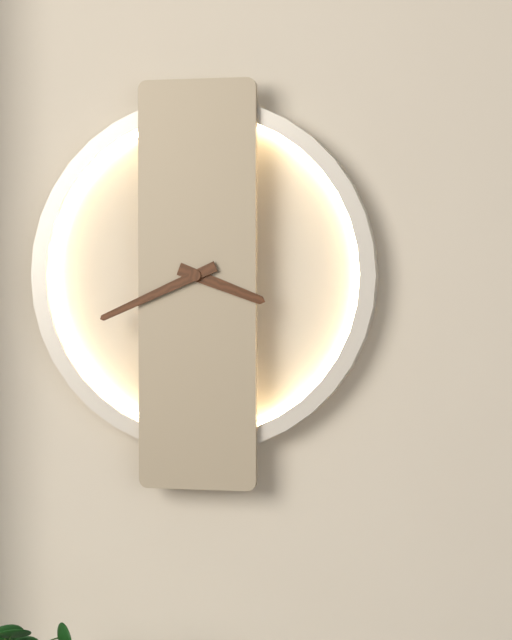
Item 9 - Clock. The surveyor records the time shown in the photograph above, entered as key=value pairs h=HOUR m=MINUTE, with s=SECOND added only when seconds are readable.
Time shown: h=3 m=41
